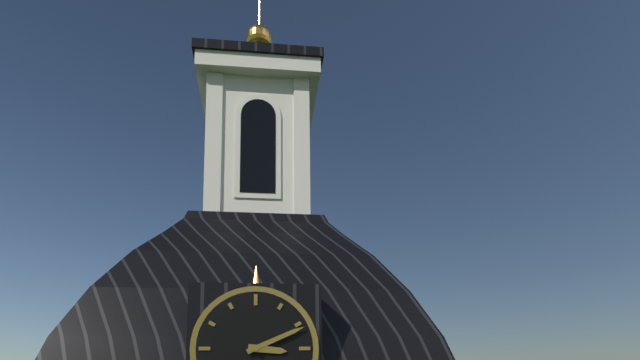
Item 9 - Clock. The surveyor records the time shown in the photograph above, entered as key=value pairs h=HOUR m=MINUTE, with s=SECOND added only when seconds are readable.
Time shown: h=3 m=11
